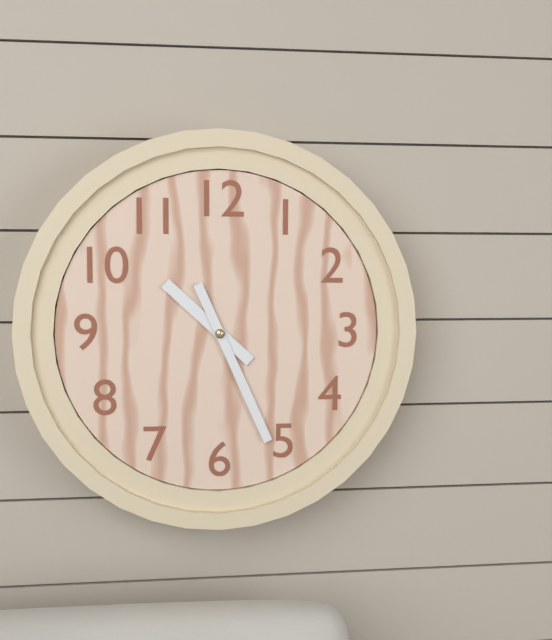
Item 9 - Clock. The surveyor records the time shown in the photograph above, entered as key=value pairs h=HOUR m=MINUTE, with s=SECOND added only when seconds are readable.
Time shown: h=10 m=26
